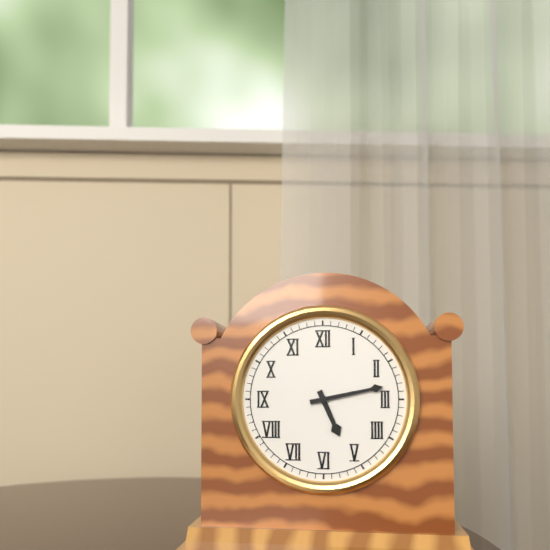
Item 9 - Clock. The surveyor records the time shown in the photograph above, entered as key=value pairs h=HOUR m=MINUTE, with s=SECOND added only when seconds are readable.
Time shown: h=5 m=13
